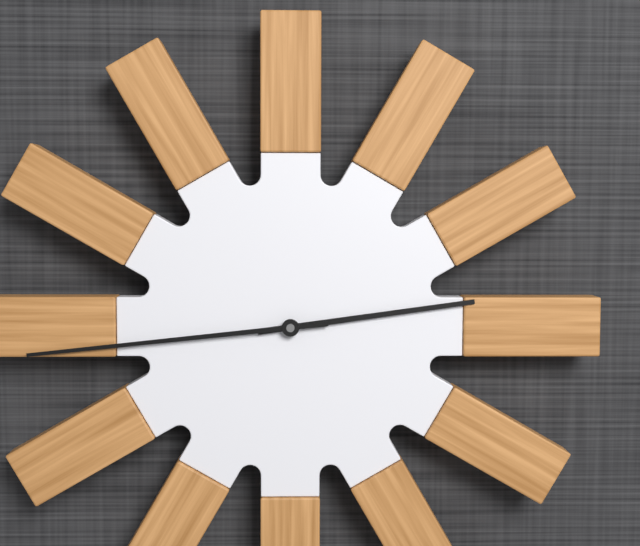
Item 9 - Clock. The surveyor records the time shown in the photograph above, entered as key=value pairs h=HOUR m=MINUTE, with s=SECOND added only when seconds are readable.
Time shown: h=2 m=44
